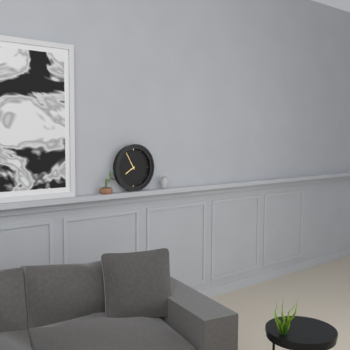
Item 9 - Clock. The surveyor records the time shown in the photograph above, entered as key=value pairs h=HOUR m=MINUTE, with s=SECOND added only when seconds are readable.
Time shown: h=7 m=55
